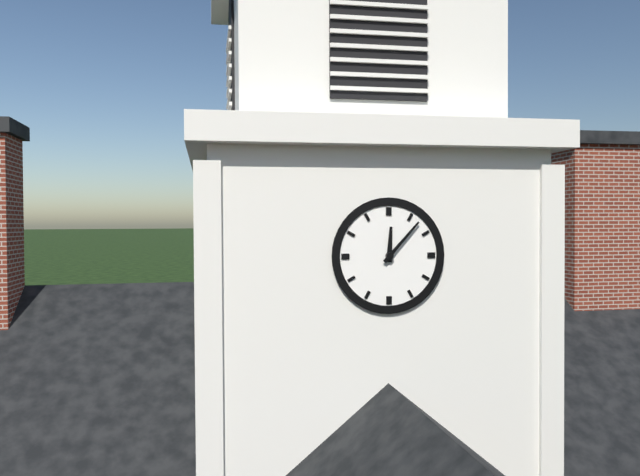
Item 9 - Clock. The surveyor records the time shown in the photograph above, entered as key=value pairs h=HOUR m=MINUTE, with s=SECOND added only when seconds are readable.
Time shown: h=12 m=7
